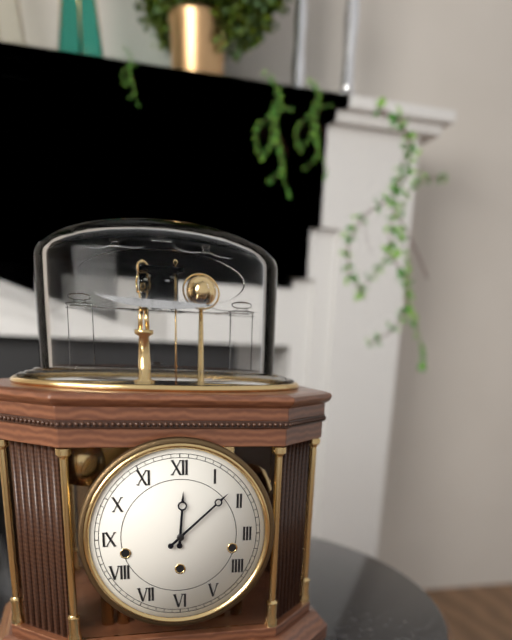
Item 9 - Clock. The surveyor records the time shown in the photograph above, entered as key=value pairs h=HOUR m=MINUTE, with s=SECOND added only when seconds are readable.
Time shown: h=12 m=8
